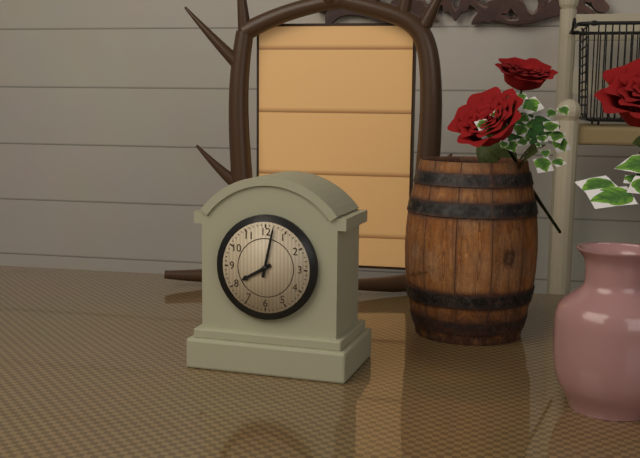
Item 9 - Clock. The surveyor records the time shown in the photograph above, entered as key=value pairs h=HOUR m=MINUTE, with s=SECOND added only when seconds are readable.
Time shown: h=8 m=2
